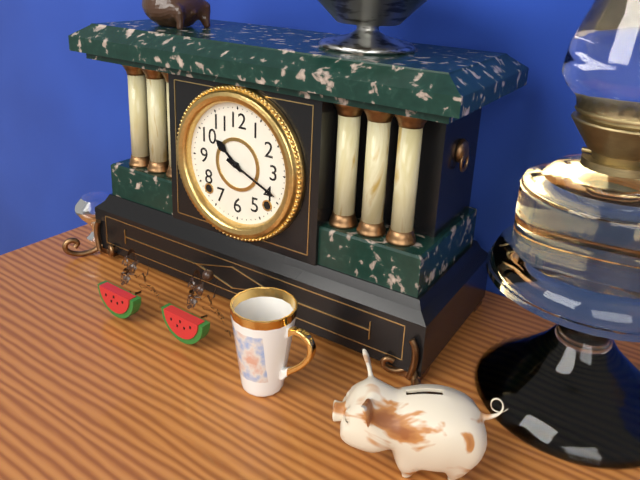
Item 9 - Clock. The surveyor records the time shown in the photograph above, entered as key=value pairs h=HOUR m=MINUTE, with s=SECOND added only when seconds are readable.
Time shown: h=10 m=19
